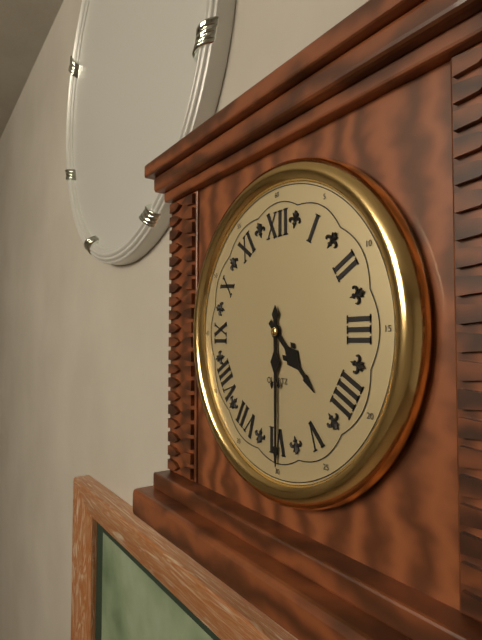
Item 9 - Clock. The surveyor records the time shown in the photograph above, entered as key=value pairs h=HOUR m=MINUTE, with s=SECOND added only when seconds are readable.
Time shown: h=4 m=30
